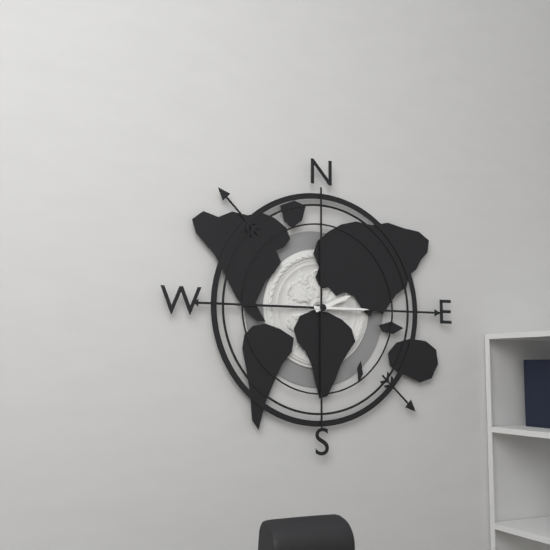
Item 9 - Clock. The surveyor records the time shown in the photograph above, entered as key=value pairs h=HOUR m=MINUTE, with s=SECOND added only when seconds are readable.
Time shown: h=2 m=15
